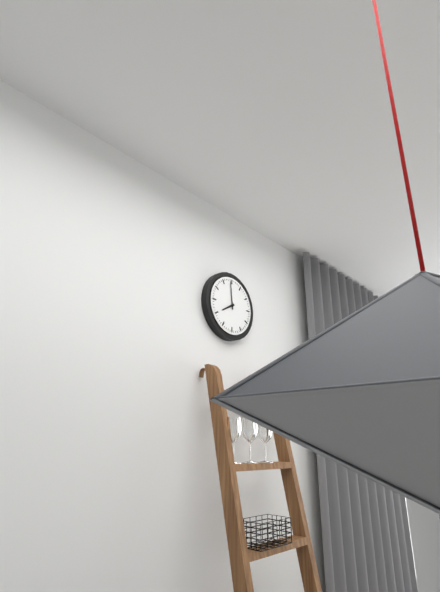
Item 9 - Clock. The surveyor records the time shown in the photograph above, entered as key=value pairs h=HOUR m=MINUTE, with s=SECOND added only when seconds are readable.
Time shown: h=7 m=59
